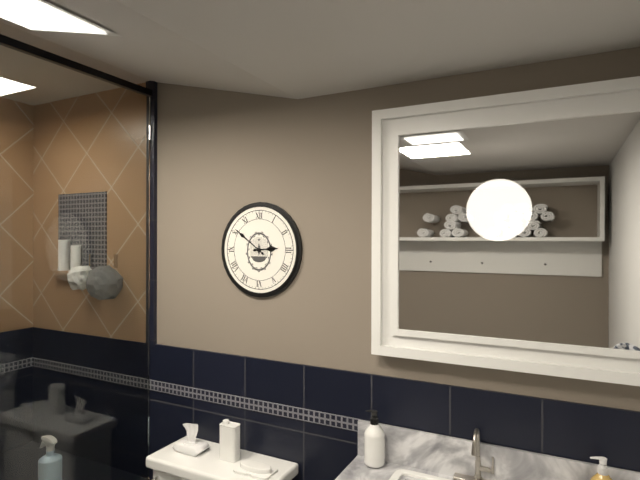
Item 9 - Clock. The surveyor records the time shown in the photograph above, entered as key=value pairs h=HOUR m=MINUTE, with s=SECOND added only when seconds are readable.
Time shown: h=2 m=51
